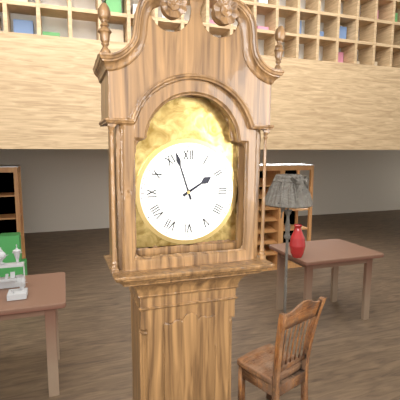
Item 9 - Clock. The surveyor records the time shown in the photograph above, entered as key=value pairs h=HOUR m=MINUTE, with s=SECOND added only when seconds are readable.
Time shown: h=1 m=57
